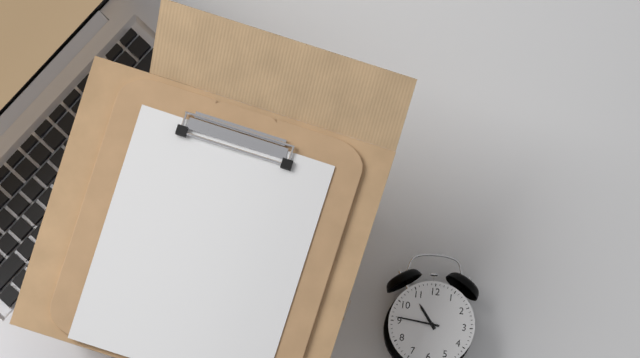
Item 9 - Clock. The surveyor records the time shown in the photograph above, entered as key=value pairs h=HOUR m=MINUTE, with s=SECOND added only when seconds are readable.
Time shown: h=10 m=46
